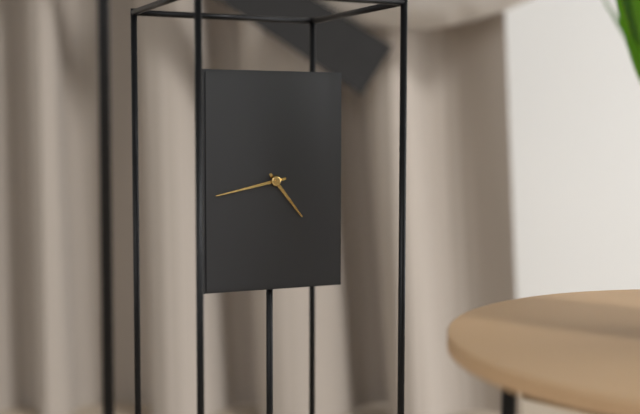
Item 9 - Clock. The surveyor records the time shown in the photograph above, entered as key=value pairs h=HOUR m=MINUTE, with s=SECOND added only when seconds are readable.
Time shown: h=4 m=43
